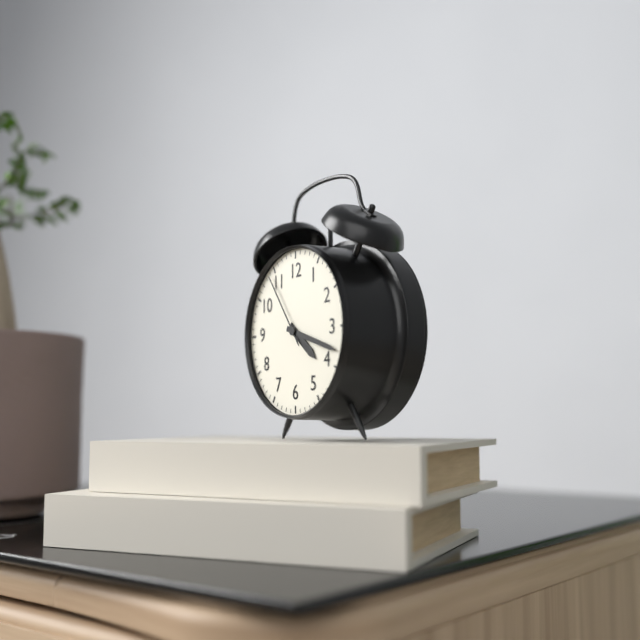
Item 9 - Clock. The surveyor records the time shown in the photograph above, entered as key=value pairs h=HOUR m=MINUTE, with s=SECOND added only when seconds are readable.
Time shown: h=4 m=18 s=54
